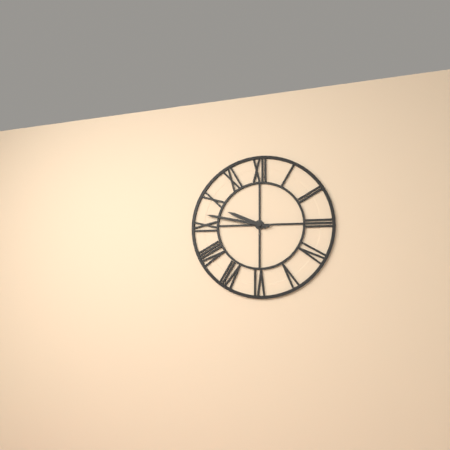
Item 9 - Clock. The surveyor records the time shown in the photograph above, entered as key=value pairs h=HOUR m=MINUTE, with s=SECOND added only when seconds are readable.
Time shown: h=9 m=47
